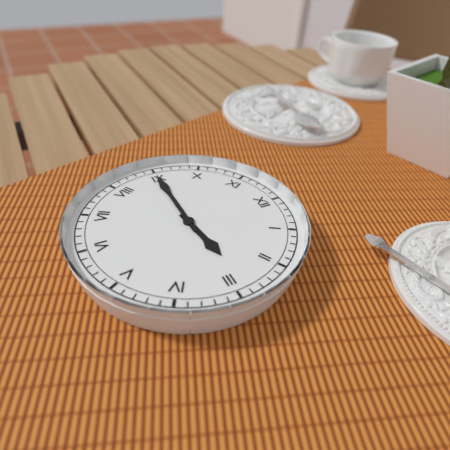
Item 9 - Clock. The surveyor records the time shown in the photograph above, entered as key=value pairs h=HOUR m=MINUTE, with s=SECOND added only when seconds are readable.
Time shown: h=2 m=45
